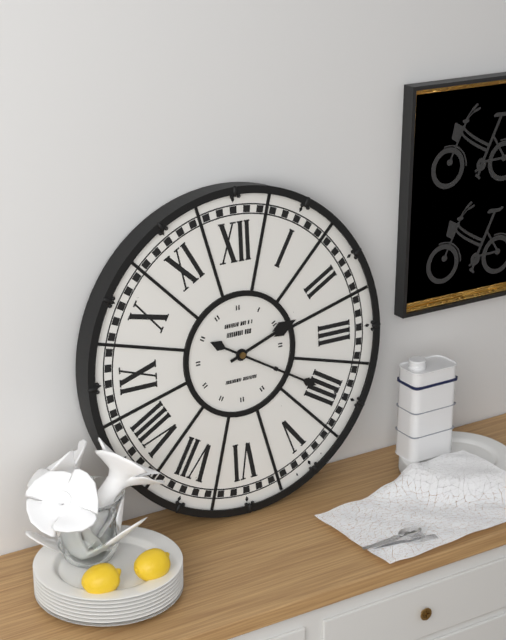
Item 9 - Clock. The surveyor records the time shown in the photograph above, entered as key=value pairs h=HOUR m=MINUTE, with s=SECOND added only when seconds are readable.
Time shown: h=2 m=20
